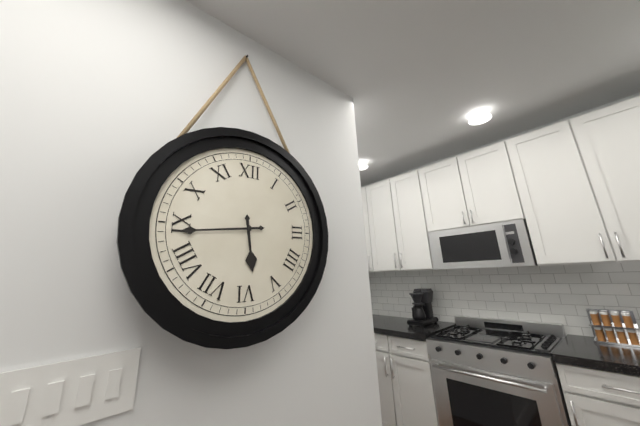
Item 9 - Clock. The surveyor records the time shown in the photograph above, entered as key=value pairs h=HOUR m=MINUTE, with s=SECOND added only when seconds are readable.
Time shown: h=5 m=44
